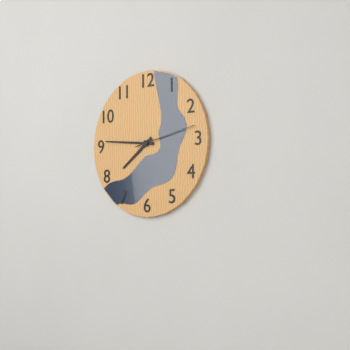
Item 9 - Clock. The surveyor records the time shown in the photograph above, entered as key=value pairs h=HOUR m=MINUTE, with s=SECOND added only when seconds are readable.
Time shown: h=7 m=46 s=13
